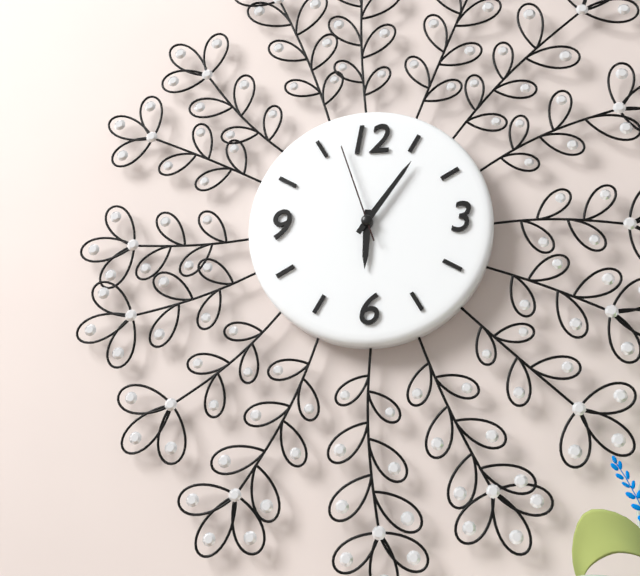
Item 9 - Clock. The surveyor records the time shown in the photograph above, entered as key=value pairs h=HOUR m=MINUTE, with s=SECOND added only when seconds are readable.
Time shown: h=6 m=6 s=57
